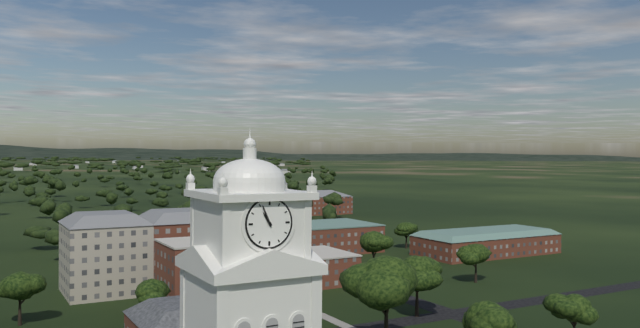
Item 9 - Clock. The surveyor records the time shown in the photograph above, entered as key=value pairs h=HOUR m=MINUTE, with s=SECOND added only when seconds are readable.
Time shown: h=10 m=56
